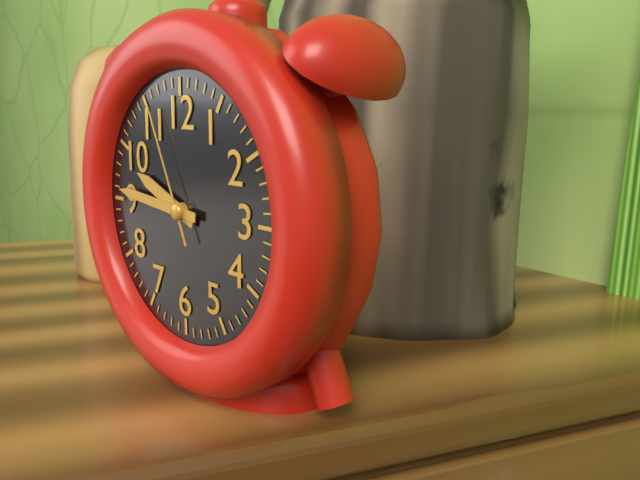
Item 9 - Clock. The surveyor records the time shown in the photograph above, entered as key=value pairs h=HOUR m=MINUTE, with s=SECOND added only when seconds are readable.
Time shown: h=9 m=46 s=56
